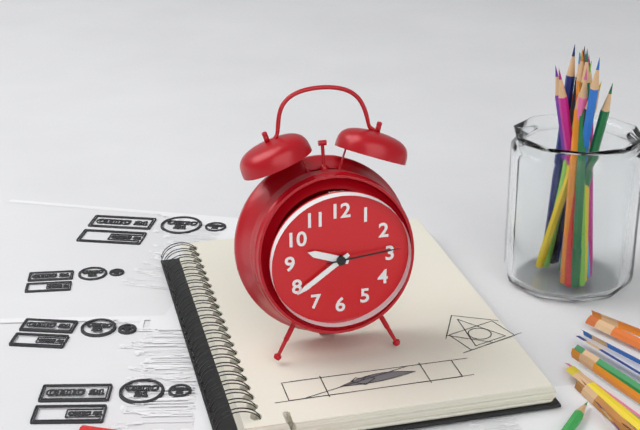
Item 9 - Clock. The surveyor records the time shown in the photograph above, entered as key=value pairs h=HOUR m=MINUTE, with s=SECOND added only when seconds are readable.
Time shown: h=9 m=39 s=14
